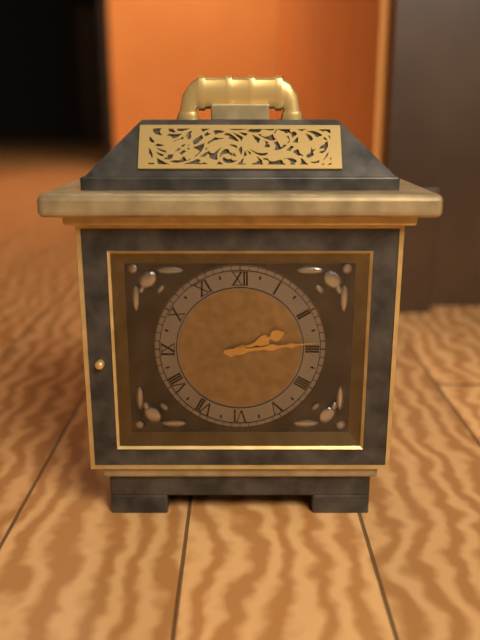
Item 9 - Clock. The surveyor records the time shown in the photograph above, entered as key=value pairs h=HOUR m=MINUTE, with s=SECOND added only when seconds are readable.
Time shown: h=2 m=14
